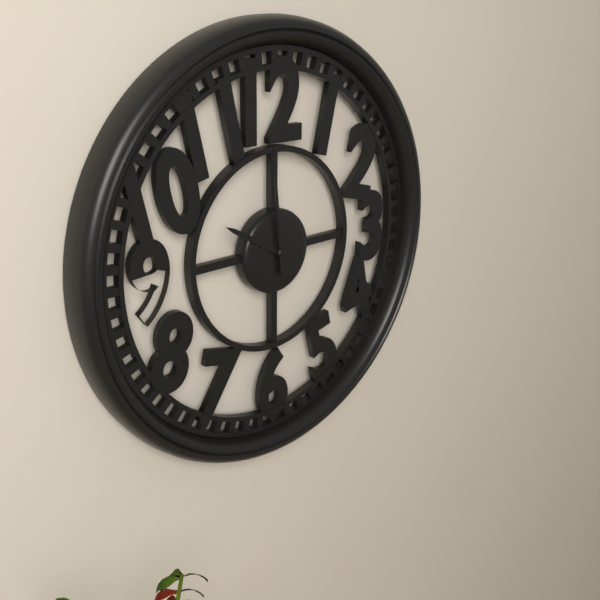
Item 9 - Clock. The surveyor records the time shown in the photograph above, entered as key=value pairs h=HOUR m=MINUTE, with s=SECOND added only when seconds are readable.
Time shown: h=9 m=59
